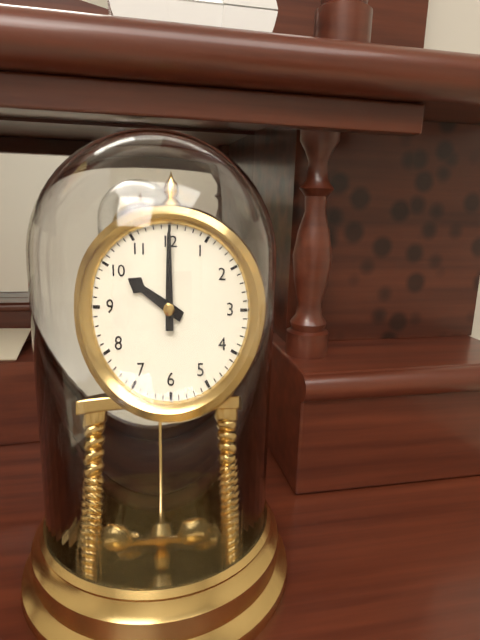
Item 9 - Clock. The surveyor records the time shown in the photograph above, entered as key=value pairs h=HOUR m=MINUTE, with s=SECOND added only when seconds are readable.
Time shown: h=10 m=0
